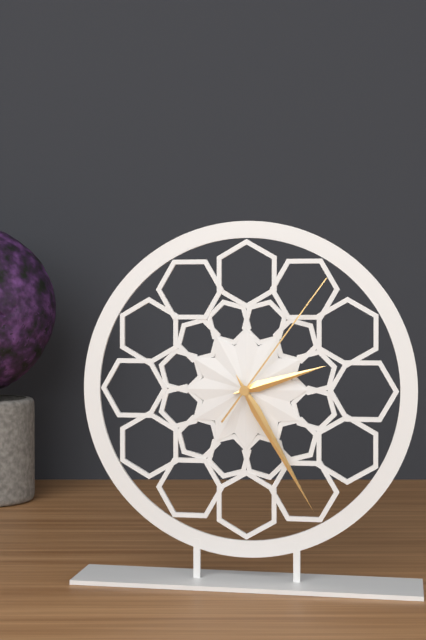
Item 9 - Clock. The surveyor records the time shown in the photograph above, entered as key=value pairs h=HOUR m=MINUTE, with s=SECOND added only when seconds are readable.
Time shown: h=2 m=25 s=6
